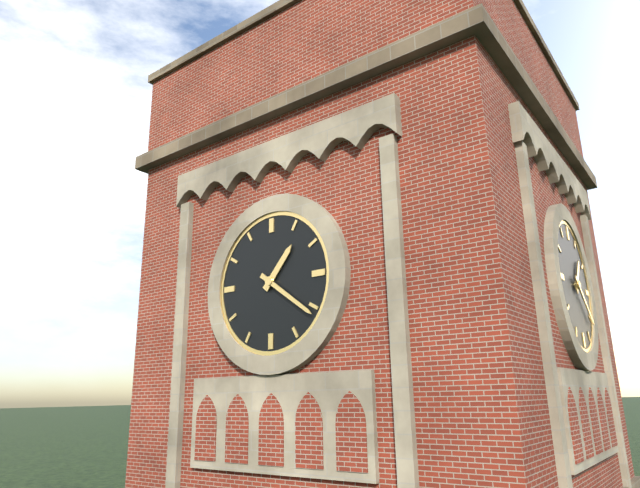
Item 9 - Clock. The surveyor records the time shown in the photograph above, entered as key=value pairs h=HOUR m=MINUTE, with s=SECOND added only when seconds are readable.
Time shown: h=1 m=21
